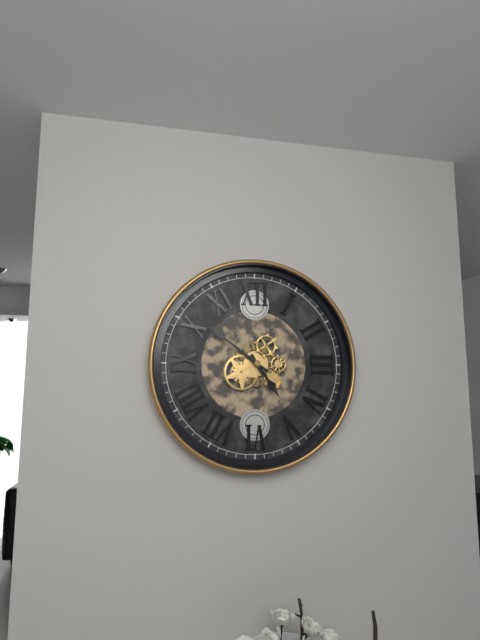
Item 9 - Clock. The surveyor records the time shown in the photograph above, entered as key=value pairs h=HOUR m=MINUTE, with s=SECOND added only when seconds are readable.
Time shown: h=4 m=51
